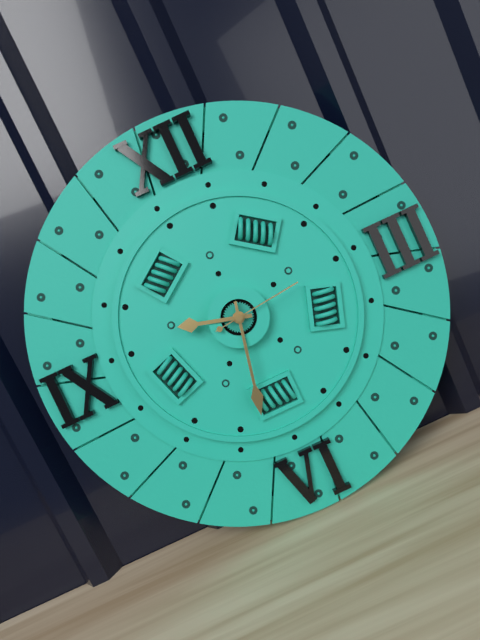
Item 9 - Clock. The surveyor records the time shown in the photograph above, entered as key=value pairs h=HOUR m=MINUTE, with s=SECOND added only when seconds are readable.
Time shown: h=9 m=32 s=14
